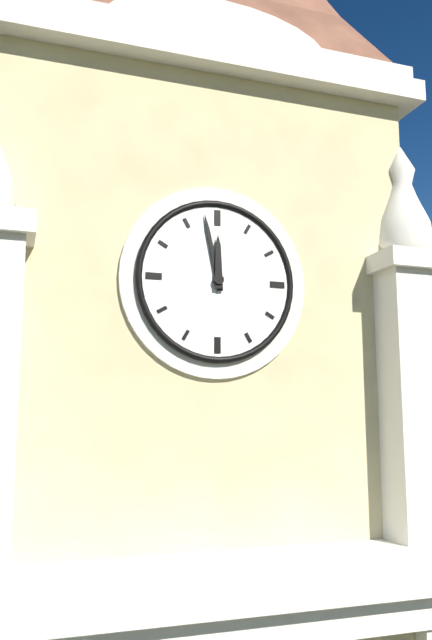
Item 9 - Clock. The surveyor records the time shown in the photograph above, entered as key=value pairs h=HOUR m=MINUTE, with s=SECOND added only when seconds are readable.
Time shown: h=11 m=58
